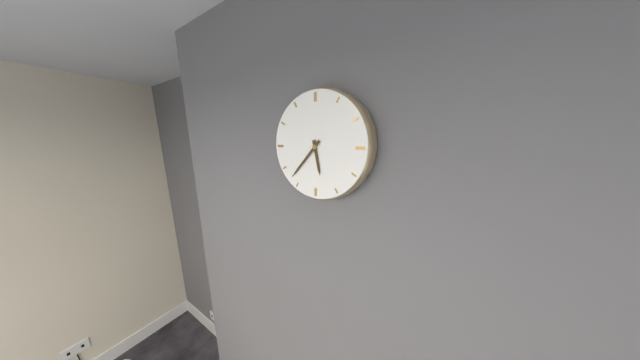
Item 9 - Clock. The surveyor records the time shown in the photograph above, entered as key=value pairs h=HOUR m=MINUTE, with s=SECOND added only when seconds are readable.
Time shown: h=5 m=37
